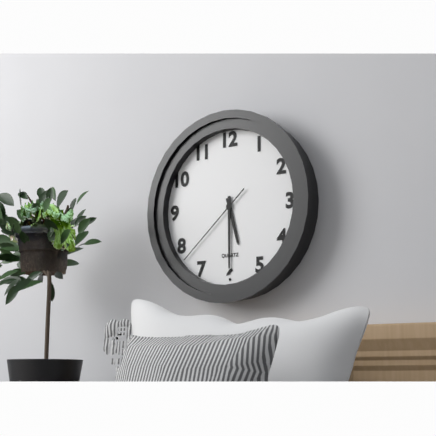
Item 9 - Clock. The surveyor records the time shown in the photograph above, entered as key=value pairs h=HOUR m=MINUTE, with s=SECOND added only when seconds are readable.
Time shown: h=5 m=30 s=38
